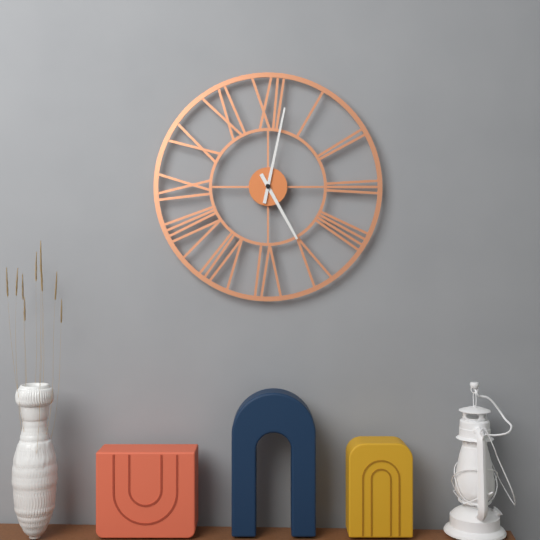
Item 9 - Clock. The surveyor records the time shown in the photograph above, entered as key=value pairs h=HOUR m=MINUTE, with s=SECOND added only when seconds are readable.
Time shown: h=5 m=2
